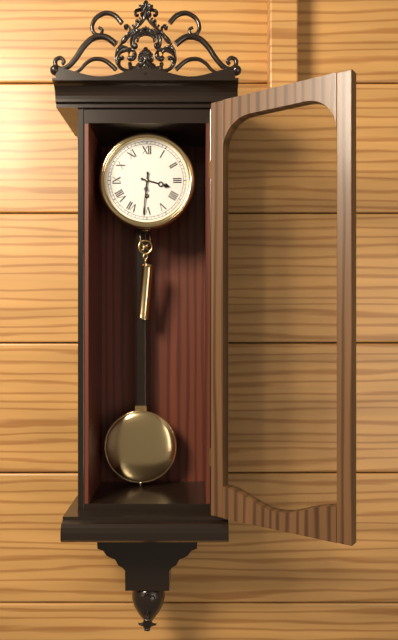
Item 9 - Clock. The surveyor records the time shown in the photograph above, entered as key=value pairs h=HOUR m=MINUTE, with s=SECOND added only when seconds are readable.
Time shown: h=3 m=31
